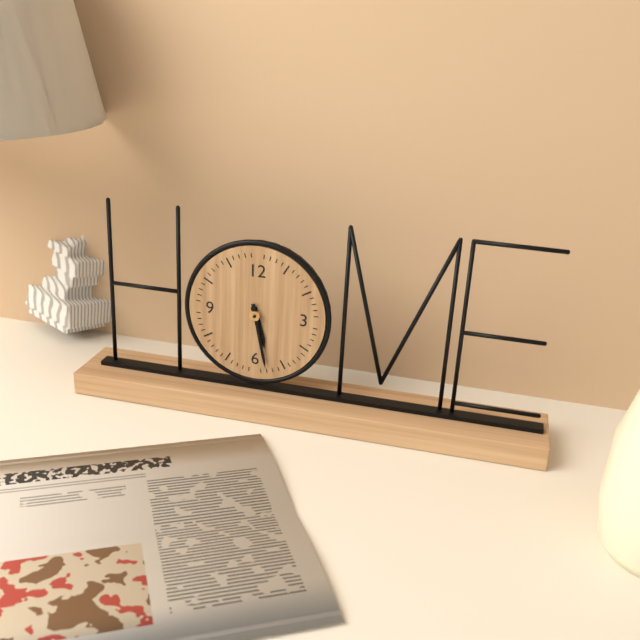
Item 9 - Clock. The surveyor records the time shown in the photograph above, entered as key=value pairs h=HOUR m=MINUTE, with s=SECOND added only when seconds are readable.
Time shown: h=5 m=28
